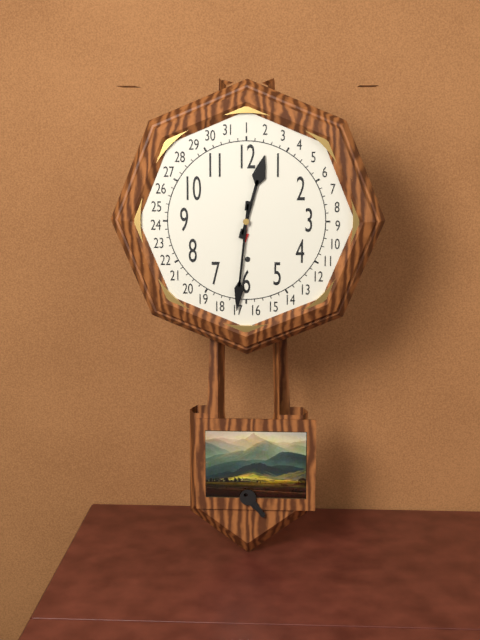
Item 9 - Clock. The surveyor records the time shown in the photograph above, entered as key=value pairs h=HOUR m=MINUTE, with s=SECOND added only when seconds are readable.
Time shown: h=12 m=31
